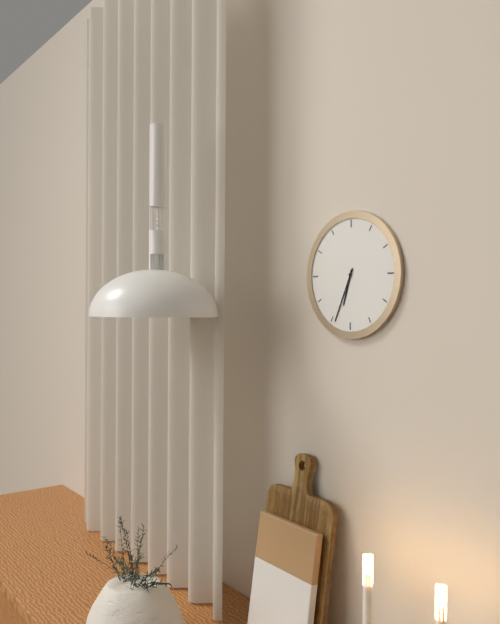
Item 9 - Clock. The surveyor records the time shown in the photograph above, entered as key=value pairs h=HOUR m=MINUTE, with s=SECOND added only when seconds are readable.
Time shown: h=6 m=34
